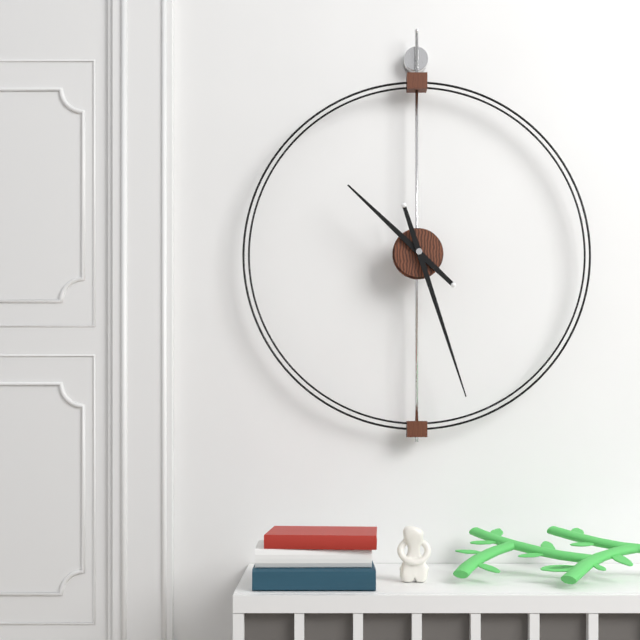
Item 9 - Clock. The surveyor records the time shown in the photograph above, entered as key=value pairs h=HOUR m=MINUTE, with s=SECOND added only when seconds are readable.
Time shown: h=10 m=27
